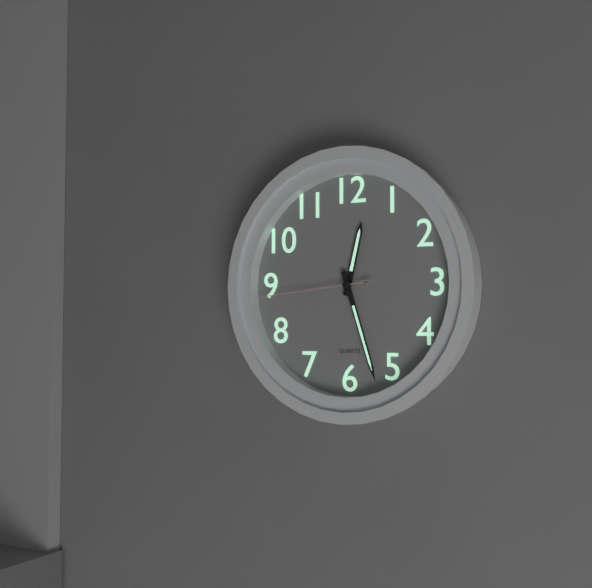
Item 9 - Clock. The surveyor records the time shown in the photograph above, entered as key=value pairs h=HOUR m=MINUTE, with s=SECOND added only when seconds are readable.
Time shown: h=12 m=27 s=44
